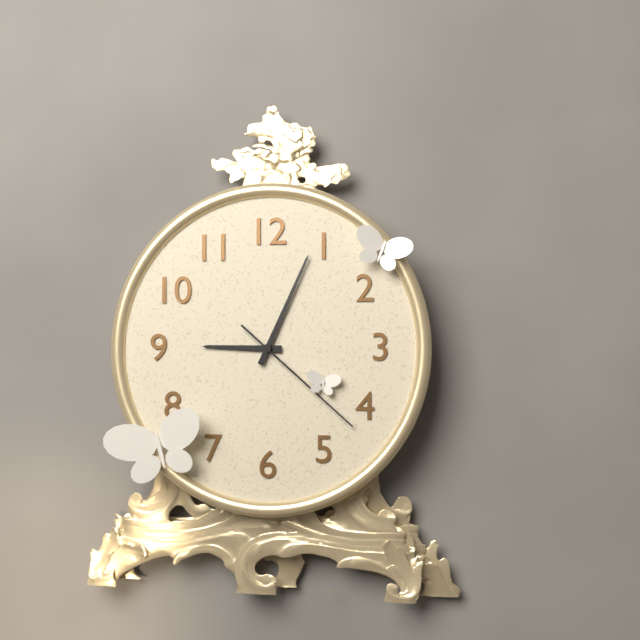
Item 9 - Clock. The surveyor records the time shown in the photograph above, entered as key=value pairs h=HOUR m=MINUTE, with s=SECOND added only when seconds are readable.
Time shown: h=9 m=4 s=22
